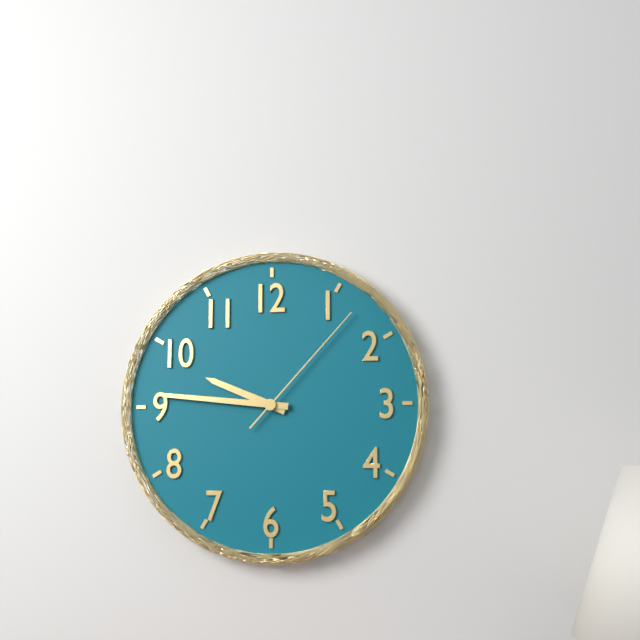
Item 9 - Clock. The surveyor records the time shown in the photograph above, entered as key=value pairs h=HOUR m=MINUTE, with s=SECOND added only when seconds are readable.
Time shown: h=9 m=46 s=7
